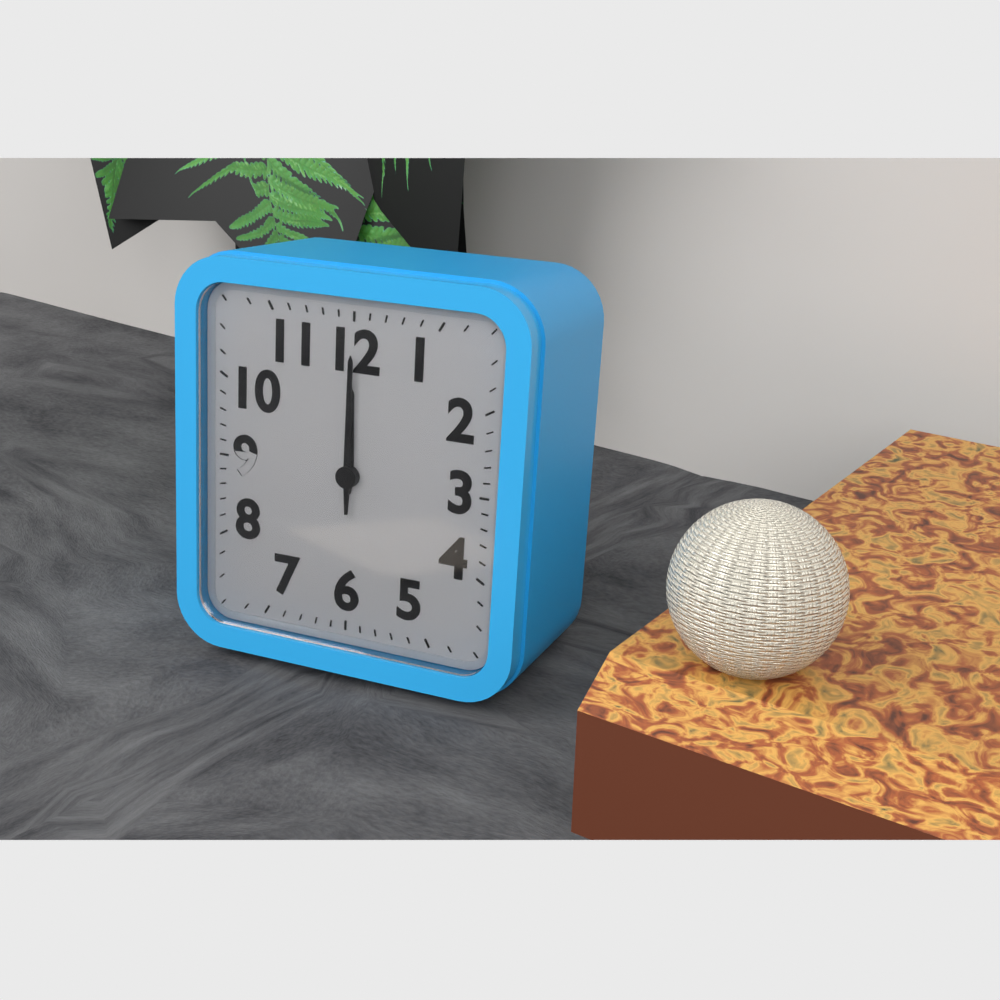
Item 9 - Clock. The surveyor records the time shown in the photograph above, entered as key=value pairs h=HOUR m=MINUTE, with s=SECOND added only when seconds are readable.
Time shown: h=12 m=0
